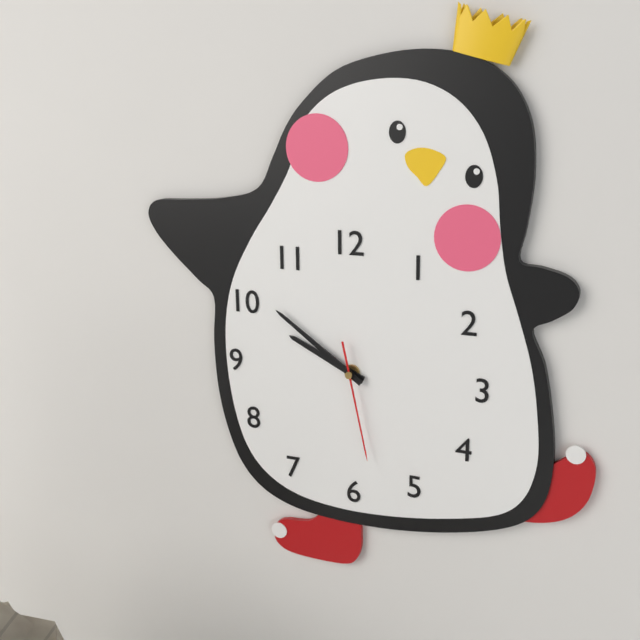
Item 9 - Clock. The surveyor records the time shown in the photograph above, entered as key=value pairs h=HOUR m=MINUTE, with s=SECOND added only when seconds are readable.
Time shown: h=9 m=51 s=28
